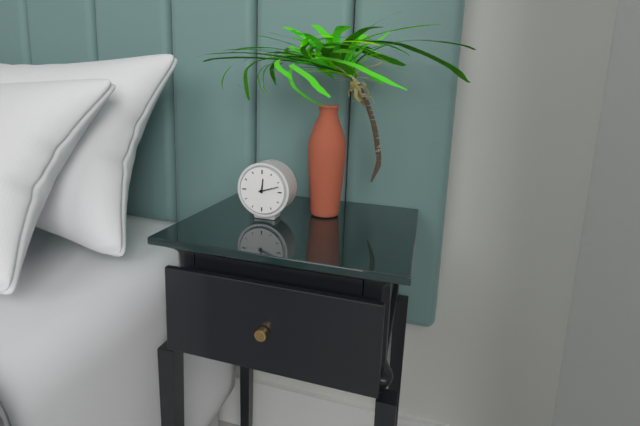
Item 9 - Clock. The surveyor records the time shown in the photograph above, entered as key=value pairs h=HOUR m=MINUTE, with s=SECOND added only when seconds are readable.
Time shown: h=12 m=12
